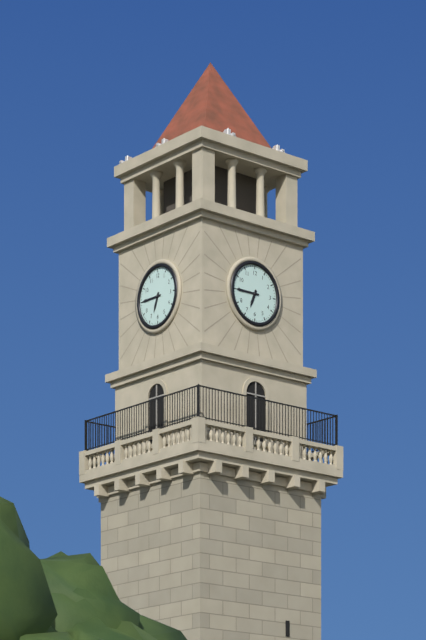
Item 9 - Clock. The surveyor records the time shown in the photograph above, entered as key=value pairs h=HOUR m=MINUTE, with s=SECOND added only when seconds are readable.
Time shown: h=6 m=45
